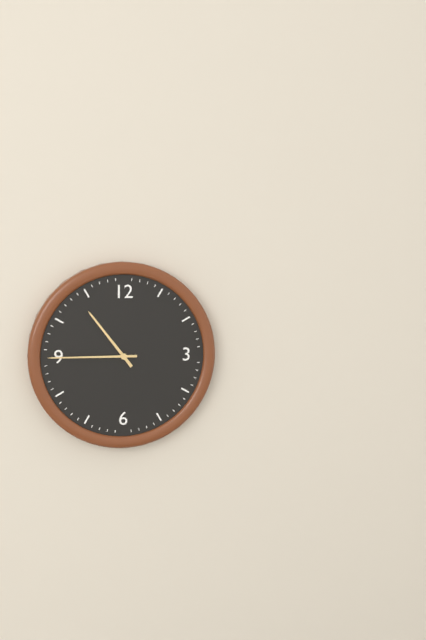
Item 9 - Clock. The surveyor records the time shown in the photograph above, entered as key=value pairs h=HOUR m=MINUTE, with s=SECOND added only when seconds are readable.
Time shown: h=10 m=45
